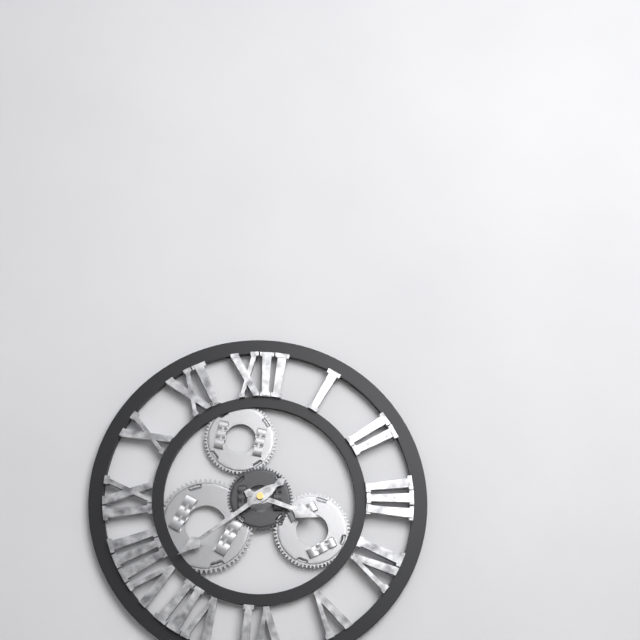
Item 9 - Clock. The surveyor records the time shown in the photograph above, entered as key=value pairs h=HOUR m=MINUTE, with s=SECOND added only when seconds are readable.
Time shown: h=3 m=39
